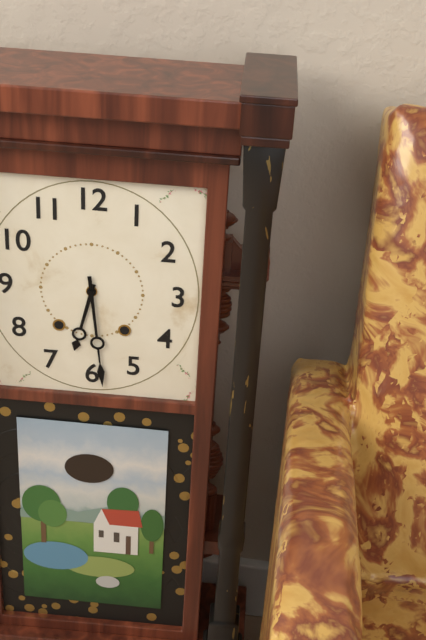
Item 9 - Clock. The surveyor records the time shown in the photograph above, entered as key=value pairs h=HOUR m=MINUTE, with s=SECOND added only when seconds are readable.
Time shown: h=6 m=29
